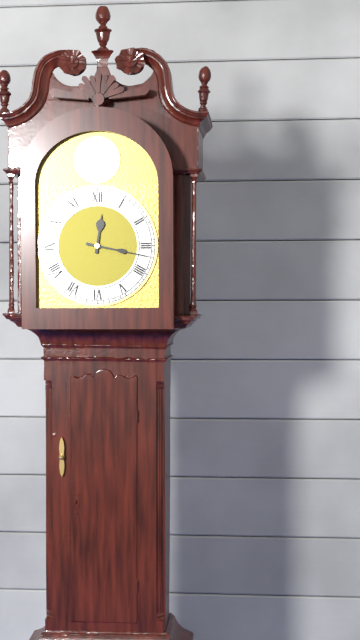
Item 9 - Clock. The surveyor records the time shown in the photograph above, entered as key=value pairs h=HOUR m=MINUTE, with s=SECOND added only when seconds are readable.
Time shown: h=12 m=17
